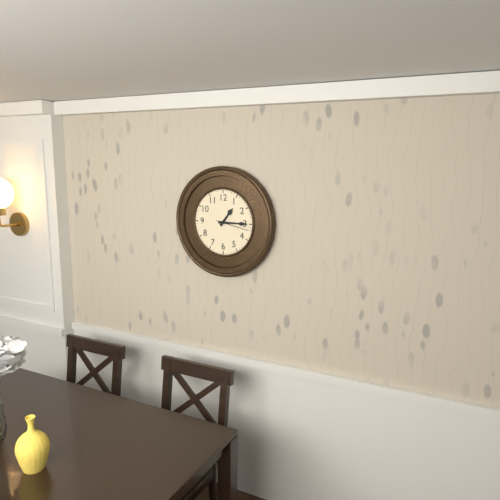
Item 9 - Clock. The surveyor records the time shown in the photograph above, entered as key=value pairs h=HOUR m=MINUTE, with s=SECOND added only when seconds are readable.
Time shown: h=1 m=15
